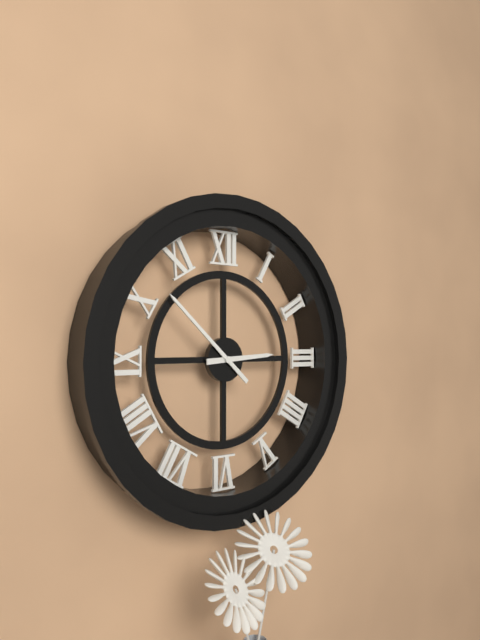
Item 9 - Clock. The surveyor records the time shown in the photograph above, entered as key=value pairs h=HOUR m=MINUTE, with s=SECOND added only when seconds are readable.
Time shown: h=2 m=52
